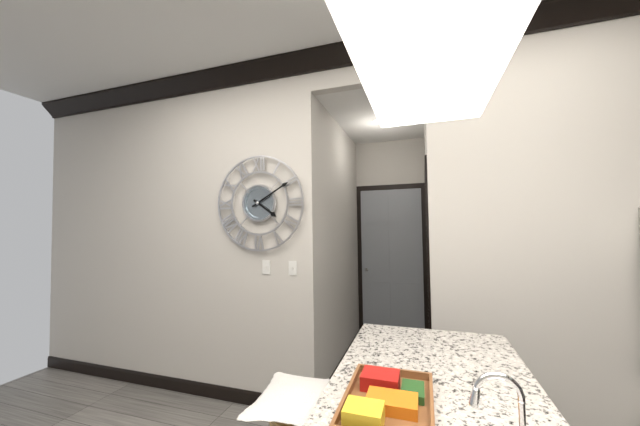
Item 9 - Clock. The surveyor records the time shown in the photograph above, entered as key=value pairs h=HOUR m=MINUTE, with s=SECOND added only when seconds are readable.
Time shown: h=4 m=10
